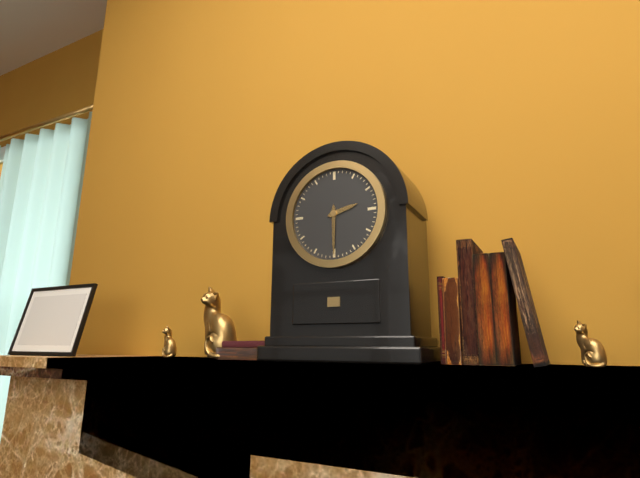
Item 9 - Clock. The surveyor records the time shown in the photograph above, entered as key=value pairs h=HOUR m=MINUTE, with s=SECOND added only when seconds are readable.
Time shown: h=2 m=30
